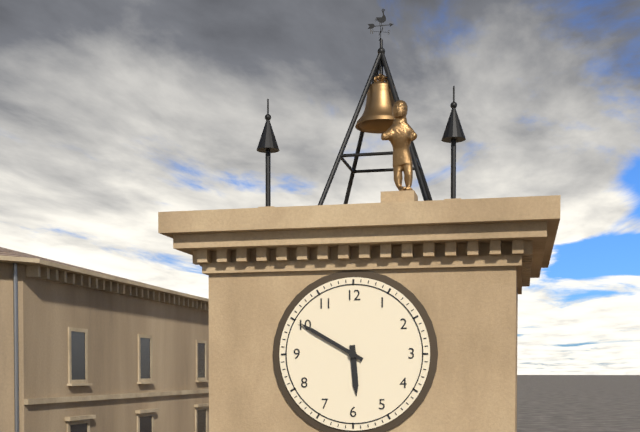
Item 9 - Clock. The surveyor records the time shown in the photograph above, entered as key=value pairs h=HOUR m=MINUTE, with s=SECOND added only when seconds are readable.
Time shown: h=5 m=50
